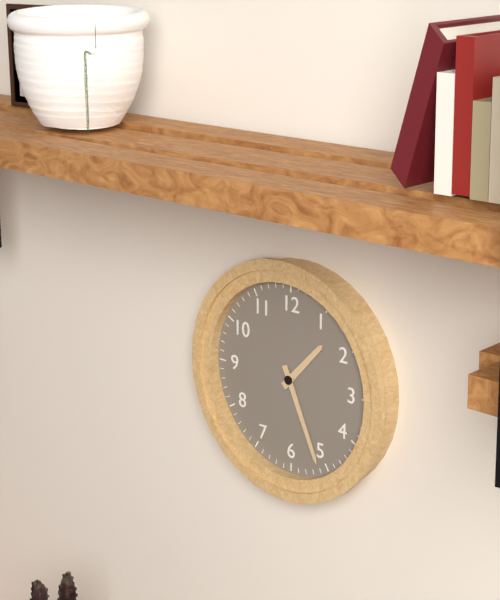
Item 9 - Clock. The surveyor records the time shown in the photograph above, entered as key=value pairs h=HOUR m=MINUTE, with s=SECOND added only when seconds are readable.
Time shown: h=1 m=26
